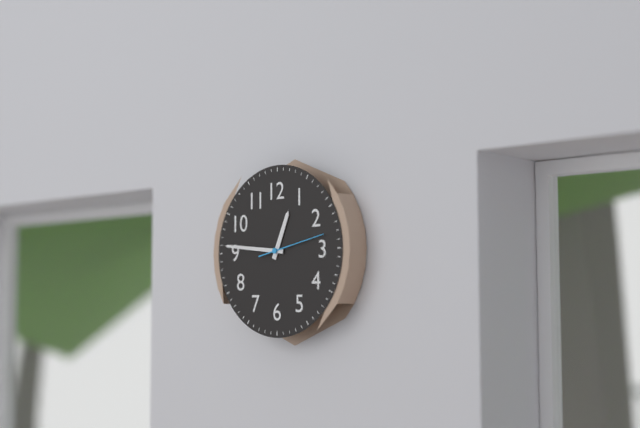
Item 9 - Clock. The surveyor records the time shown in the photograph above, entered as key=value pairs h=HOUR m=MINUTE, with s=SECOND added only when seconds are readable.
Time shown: h=12 m=46 s=13
